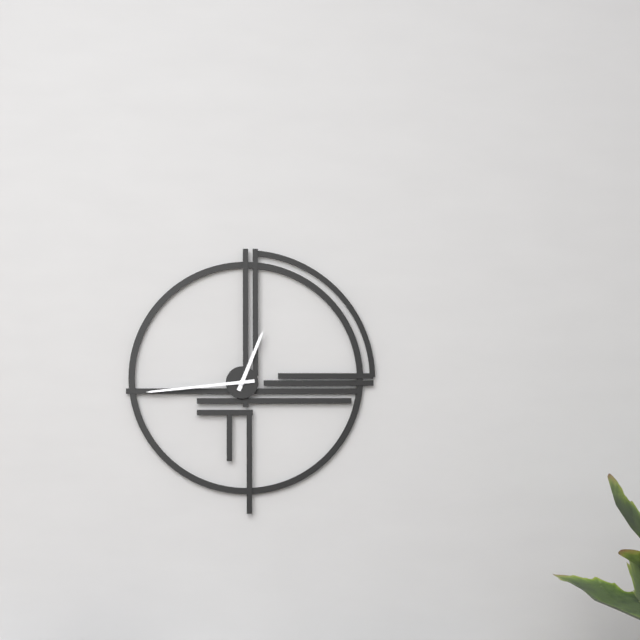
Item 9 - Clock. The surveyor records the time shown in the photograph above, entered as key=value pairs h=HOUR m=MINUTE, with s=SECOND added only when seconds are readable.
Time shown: h=12 m=44
